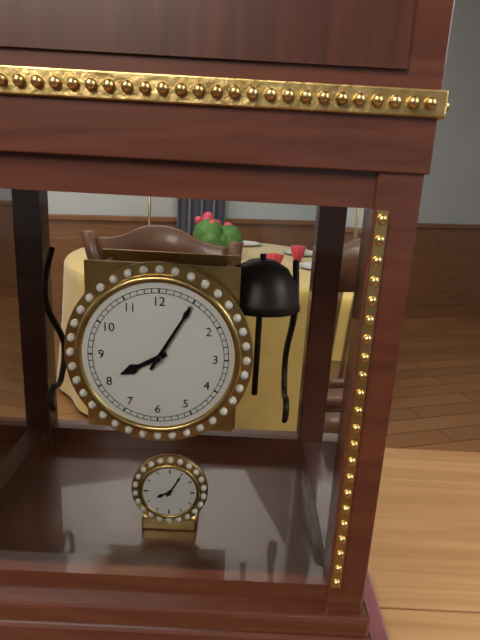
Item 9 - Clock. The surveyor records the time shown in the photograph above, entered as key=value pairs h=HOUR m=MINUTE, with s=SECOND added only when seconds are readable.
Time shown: h=8 m=5
